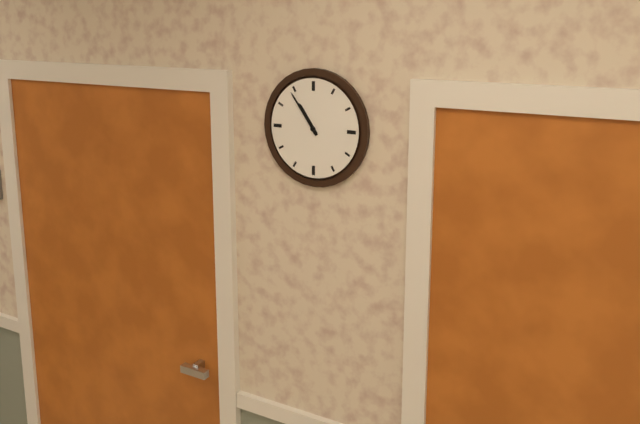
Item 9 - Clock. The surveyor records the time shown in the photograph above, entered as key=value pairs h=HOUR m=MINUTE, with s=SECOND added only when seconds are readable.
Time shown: h=10 m=54
